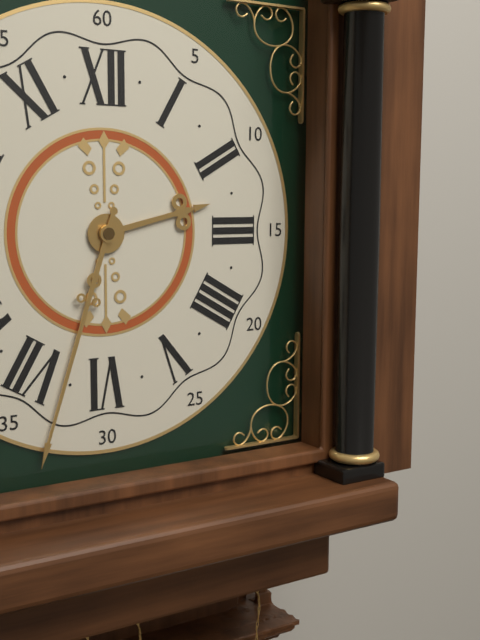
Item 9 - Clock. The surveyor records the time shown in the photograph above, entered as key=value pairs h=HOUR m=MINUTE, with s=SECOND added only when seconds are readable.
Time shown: h=2 m=33
